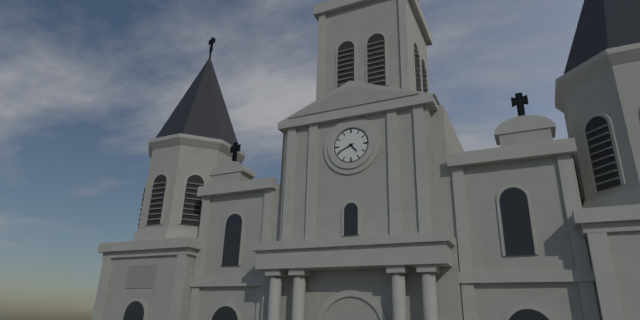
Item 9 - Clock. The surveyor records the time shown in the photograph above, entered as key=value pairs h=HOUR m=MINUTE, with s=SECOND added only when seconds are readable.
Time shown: h=4 m=41
